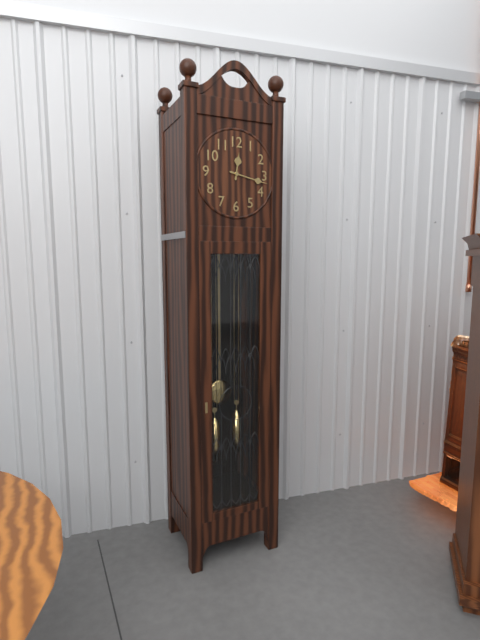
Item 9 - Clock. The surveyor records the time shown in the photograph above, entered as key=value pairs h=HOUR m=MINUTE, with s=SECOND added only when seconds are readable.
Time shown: h=12 m=17
